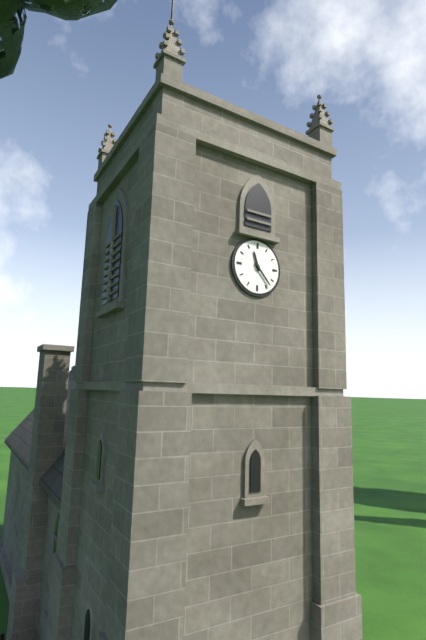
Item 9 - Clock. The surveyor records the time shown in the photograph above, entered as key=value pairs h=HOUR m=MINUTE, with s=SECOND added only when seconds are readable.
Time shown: h=11 m=23
